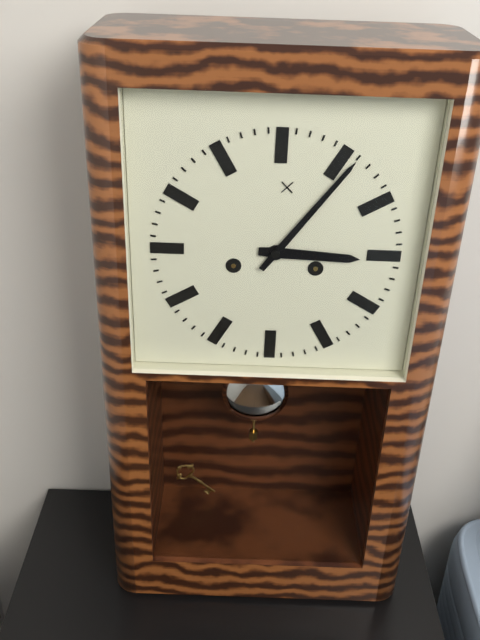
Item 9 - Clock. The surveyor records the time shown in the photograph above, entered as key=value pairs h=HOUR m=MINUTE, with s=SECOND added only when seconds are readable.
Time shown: h=3 m=6
